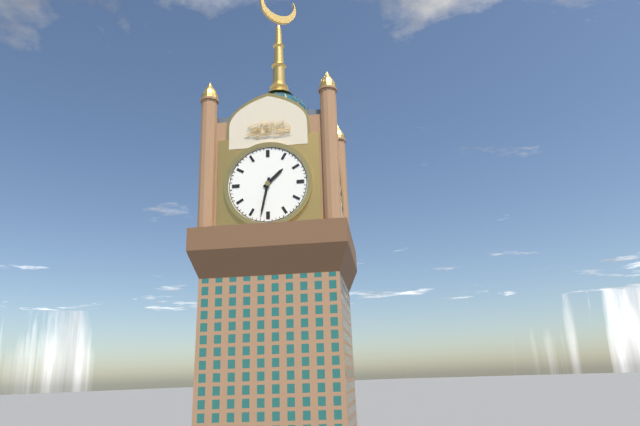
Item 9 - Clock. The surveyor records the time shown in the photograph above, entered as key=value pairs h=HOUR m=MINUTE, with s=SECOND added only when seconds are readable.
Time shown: h=1 m=32
